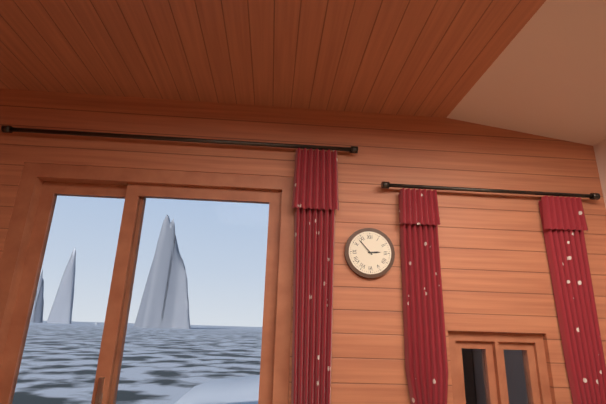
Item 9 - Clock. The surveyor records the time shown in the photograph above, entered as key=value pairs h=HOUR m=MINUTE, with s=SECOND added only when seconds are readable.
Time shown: h=2 m=53
